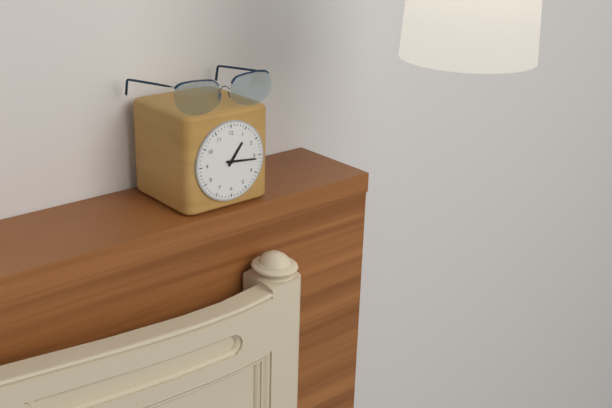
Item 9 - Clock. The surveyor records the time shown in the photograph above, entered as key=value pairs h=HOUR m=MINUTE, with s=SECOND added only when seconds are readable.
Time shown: h=1 m=16
